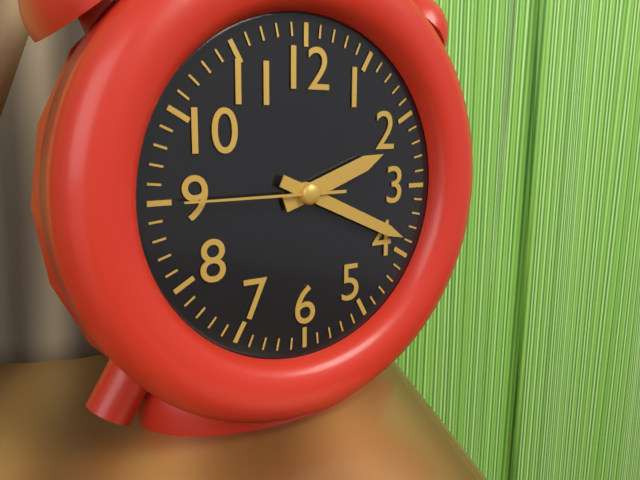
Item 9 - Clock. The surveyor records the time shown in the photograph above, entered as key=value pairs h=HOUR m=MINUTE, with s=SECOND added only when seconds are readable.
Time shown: h=2 m=19 s=45
